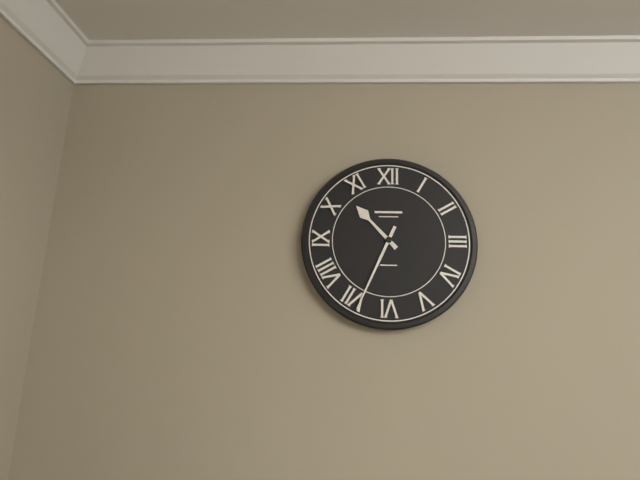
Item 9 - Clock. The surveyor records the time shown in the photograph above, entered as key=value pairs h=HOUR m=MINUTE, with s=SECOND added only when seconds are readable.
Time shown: h=10 m=34
